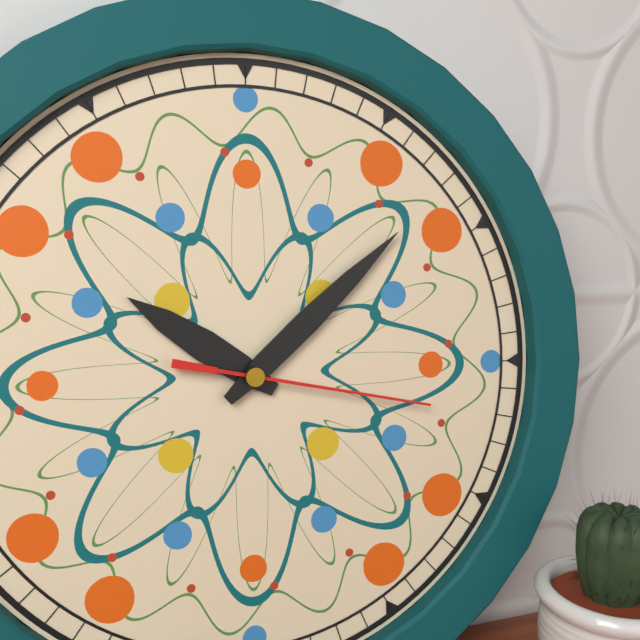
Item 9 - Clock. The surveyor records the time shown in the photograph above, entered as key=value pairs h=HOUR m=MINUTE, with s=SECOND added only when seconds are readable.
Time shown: h=10 m=8 s=17
